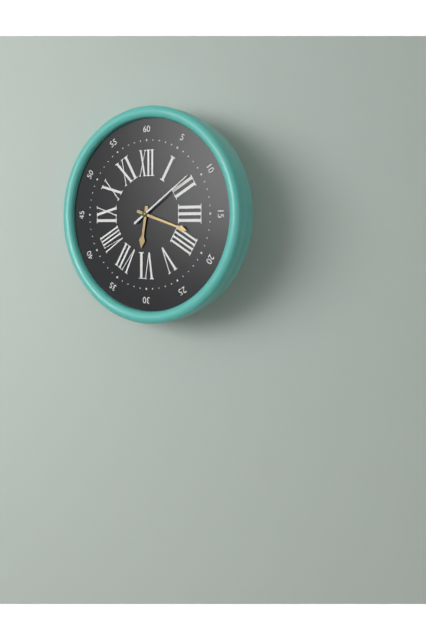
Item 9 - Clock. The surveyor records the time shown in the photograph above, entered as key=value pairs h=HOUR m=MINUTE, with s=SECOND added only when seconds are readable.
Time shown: h=6 m=18 s=9
